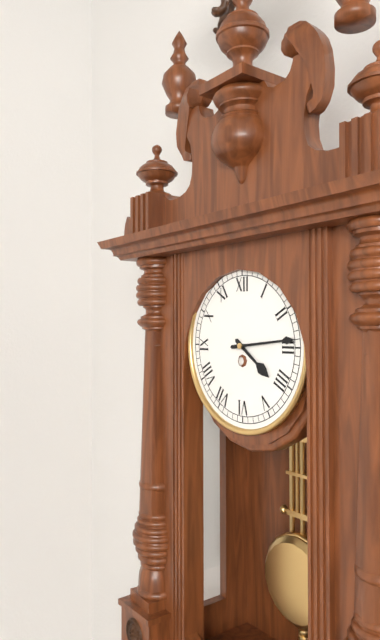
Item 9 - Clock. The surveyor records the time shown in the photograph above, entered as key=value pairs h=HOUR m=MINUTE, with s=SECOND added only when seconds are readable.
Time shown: h=4 m=14
